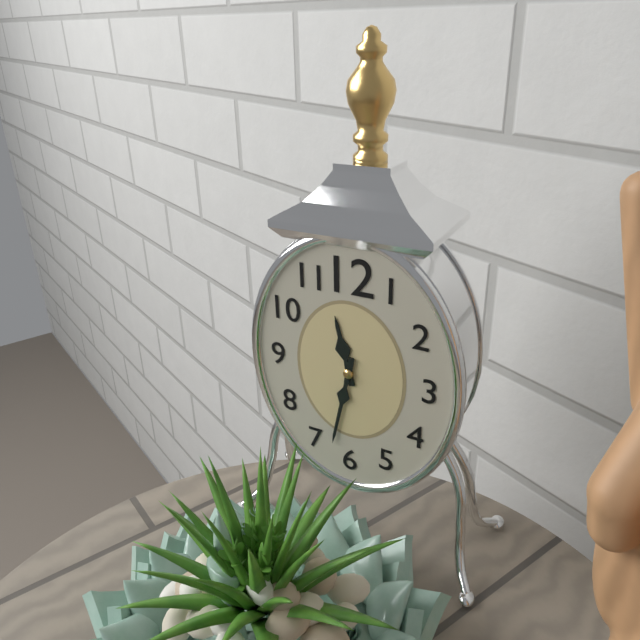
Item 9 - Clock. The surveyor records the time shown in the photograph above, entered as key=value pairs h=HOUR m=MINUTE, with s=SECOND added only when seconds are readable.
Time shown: h=11 m=32
